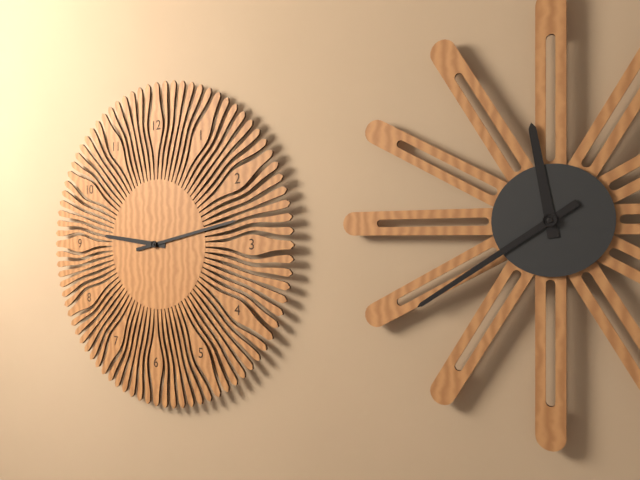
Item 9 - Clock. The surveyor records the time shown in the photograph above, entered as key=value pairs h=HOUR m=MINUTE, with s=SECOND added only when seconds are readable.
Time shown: h=9 m=13
